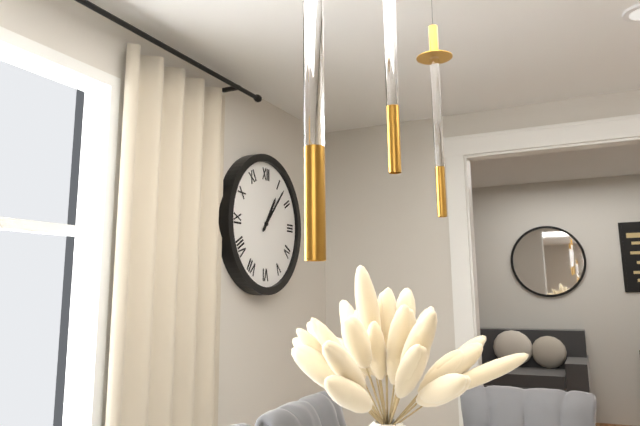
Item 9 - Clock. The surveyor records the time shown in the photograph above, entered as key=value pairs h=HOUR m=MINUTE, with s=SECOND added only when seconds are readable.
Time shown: h=1 m=7
